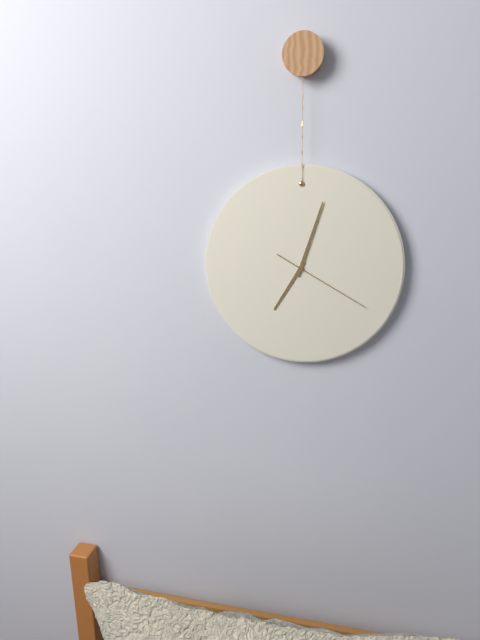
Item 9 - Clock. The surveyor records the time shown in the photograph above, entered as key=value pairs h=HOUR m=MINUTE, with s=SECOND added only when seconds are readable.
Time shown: h=7 m=3 s=20
